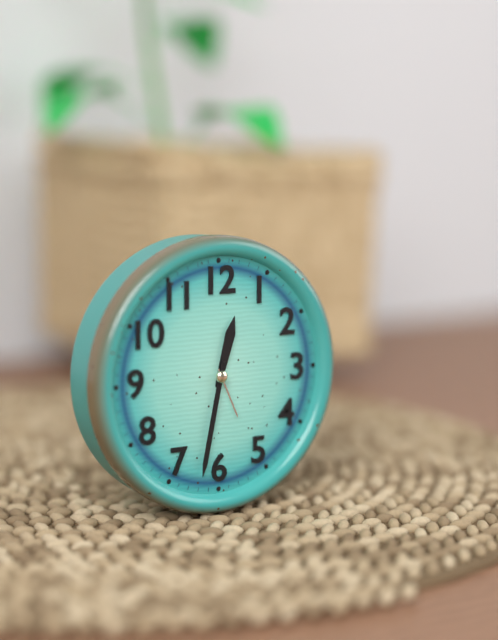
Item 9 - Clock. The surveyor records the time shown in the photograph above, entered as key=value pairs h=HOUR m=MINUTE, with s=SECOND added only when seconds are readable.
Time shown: h=12 m=32 s=26
